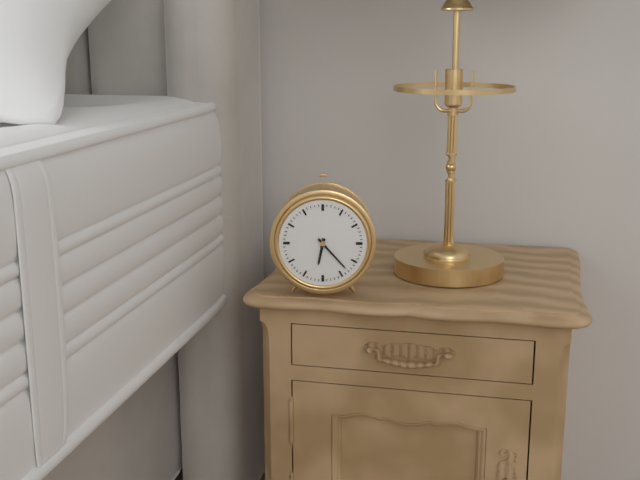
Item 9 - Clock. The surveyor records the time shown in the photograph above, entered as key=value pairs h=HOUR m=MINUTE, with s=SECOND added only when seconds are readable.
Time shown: h=6 m=23
